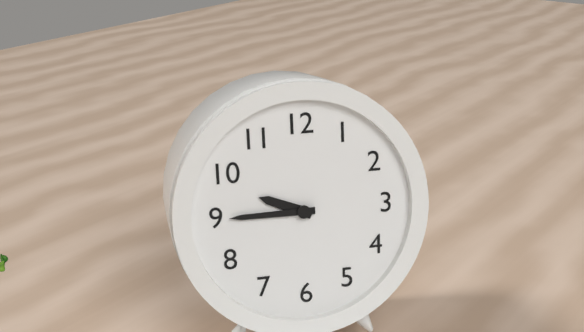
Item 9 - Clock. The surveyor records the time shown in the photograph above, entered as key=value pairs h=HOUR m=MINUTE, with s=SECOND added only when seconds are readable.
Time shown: h=9 m=45
